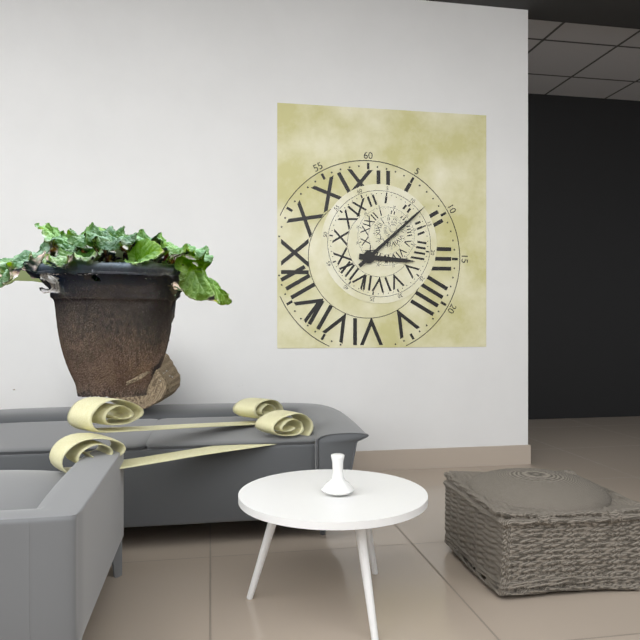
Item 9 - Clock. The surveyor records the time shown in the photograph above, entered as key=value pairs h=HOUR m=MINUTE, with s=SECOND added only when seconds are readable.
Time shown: h=3 m=8
